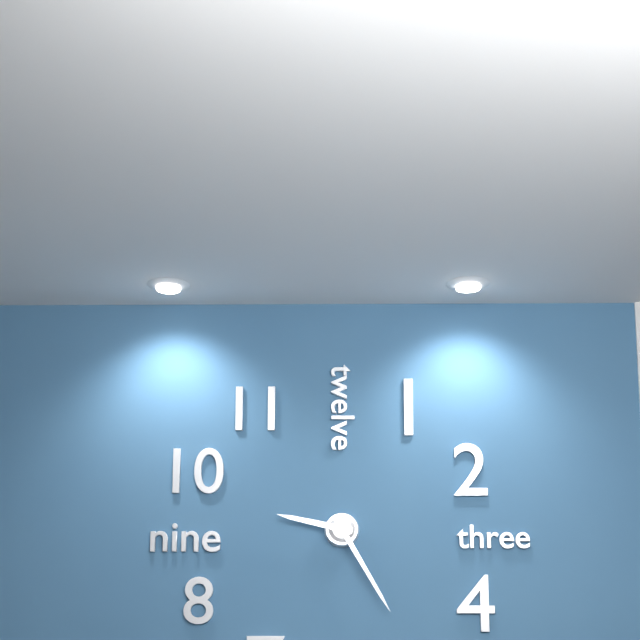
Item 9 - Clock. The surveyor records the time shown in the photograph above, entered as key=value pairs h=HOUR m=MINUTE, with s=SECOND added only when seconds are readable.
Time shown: h=9 m=25
